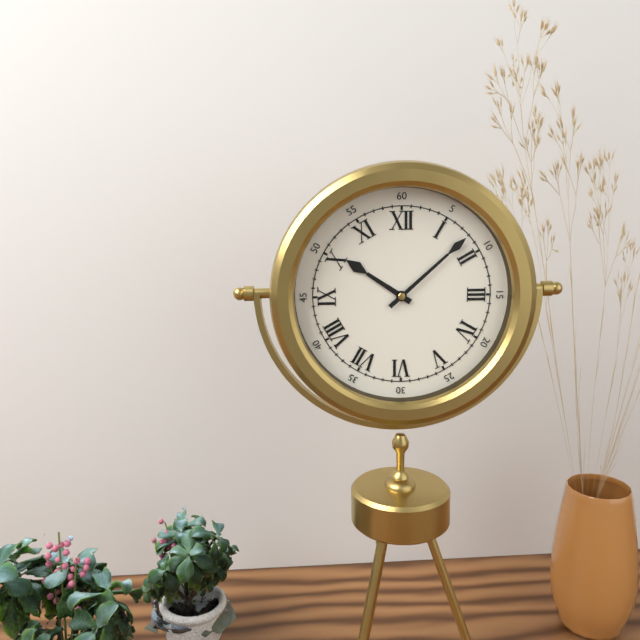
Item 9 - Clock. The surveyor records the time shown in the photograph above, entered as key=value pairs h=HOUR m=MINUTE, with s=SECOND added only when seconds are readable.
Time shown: h=10 m=8
